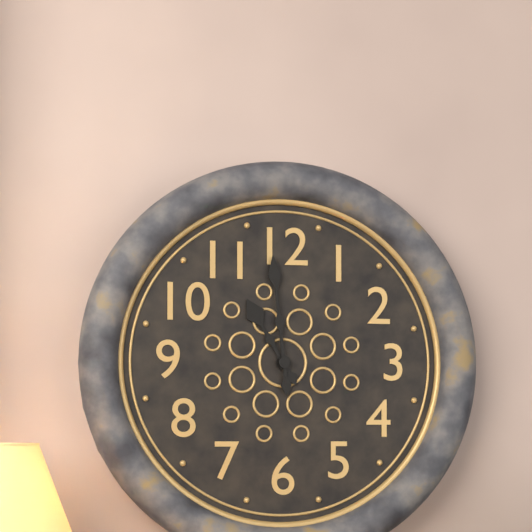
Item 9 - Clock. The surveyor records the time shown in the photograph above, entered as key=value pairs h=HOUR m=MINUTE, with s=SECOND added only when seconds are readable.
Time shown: h=10 m=59
